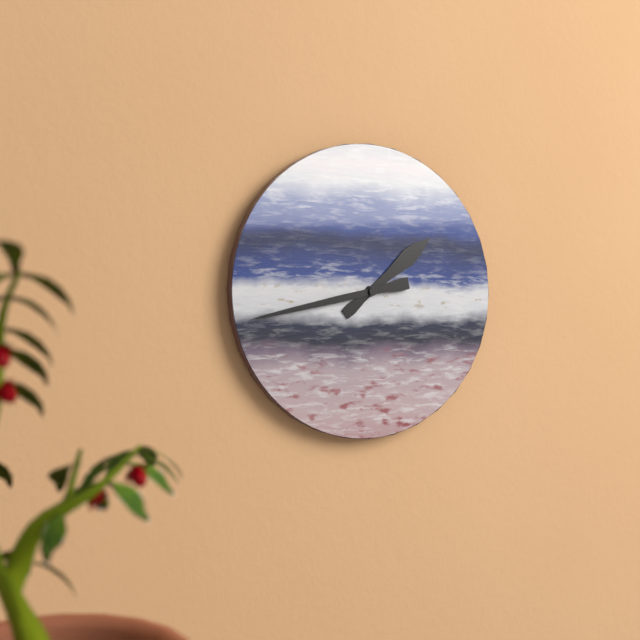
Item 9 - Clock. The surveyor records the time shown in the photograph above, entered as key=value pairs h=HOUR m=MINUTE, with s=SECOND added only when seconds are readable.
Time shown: h=1 m=43
